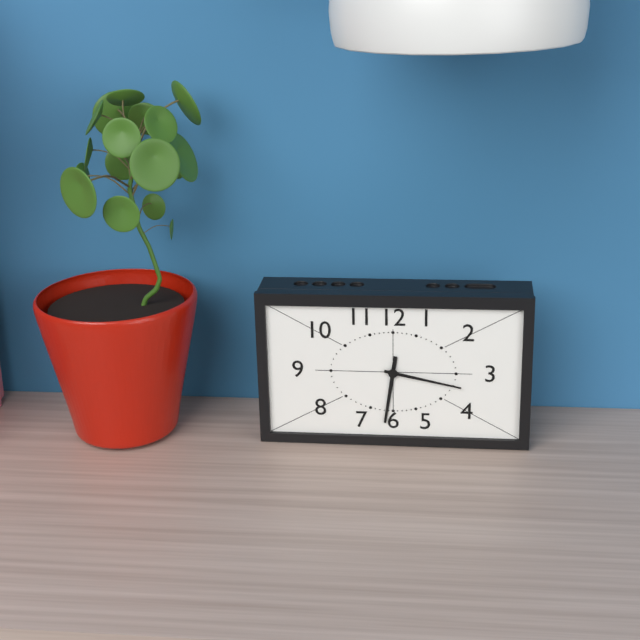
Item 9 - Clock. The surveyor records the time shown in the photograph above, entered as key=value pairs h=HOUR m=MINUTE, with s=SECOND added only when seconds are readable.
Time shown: h=6 m=17
